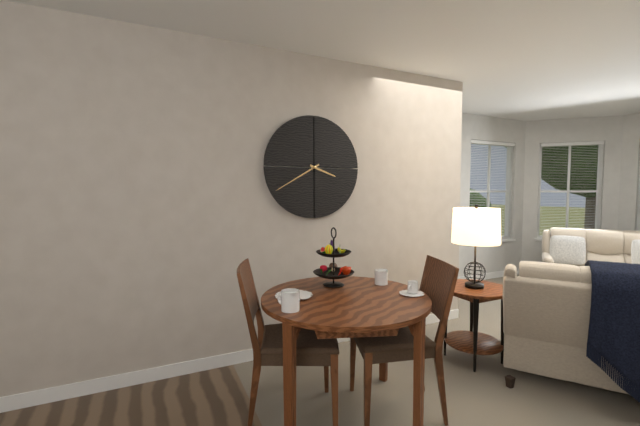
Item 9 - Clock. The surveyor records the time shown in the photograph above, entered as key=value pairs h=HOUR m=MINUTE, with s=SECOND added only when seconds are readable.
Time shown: h=3 m=40
